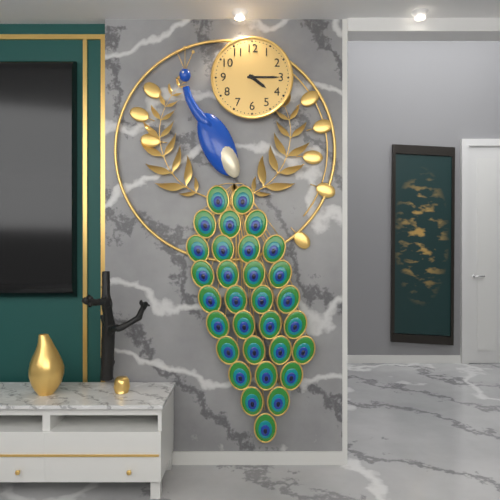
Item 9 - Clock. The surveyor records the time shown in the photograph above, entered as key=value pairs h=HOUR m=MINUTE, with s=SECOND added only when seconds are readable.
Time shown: h=4 m=15
